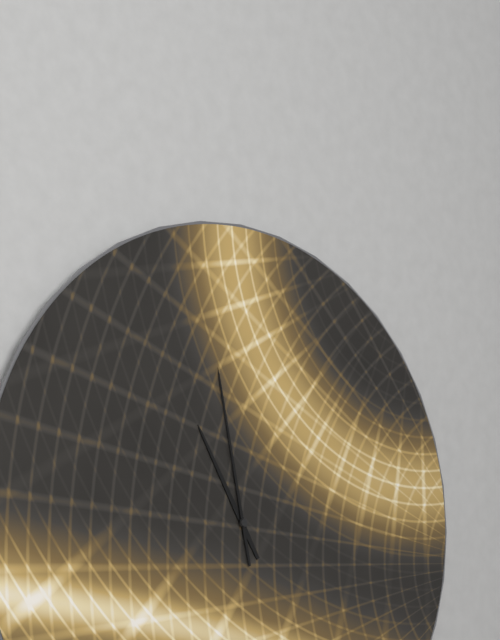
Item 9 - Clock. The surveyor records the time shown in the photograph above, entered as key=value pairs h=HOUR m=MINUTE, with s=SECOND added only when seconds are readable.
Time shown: h=10 m=58
